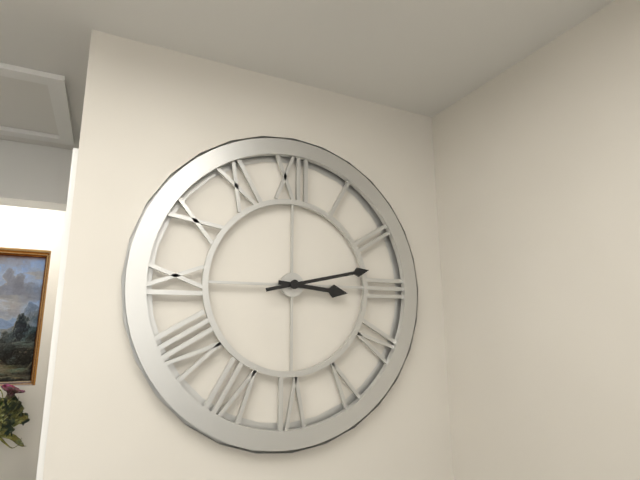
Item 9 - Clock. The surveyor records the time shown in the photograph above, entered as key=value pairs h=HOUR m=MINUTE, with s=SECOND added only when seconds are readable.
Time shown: h=3 m=13
